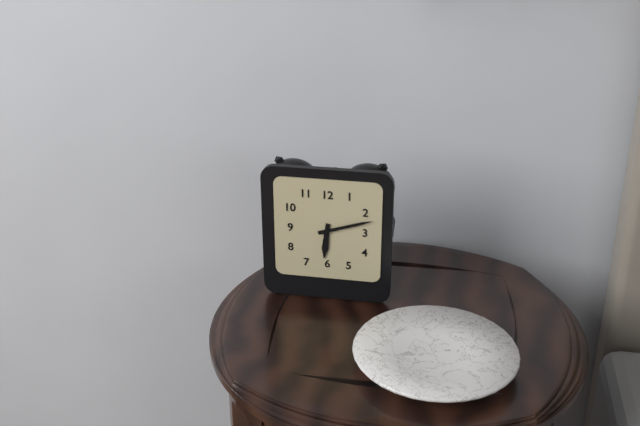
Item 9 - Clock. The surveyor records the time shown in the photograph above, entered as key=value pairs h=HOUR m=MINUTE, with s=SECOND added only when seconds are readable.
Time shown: h=6 m=12
